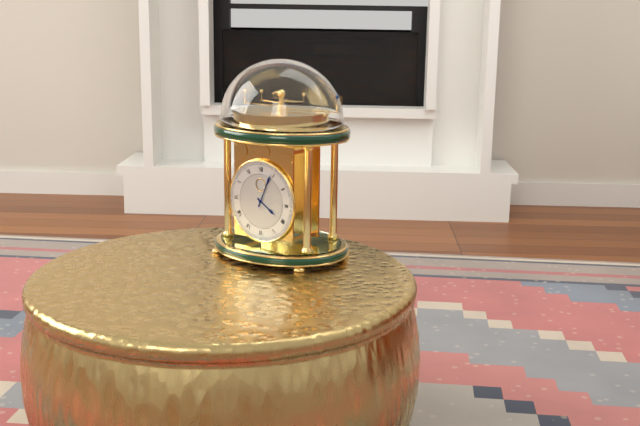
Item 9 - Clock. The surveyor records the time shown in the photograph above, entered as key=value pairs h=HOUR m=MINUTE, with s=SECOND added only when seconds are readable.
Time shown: h=4 m=4
